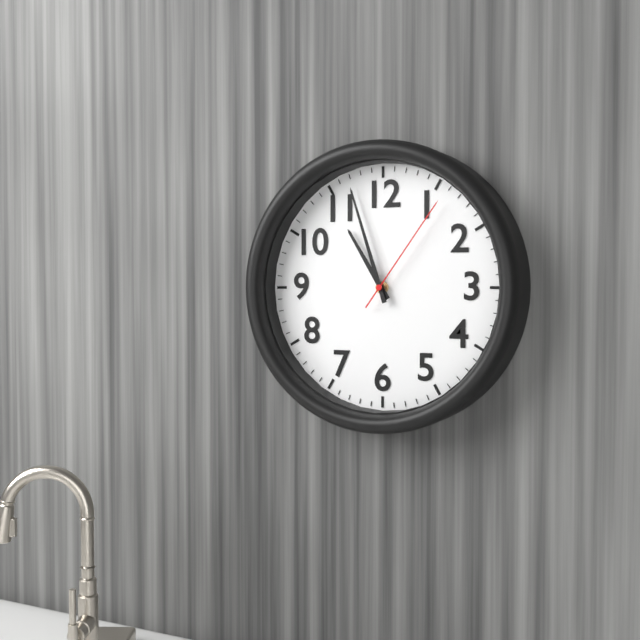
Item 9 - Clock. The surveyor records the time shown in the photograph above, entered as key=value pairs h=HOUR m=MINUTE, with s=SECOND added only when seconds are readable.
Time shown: h=10 m=57 s=6
